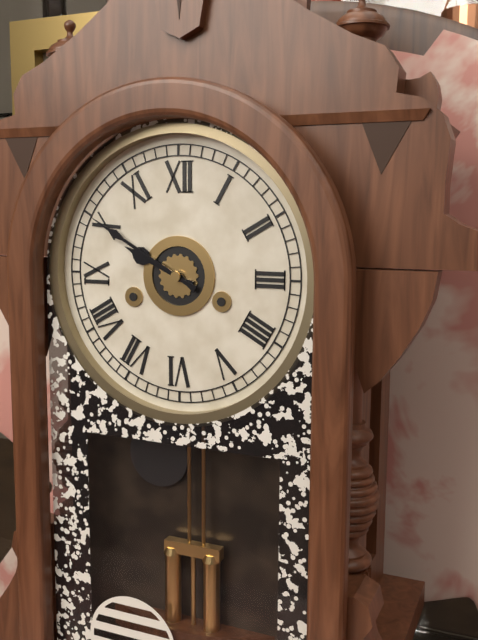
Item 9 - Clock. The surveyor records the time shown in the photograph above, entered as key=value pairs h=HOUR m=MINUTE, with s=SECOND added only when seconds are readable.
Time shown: h=9 m=50
